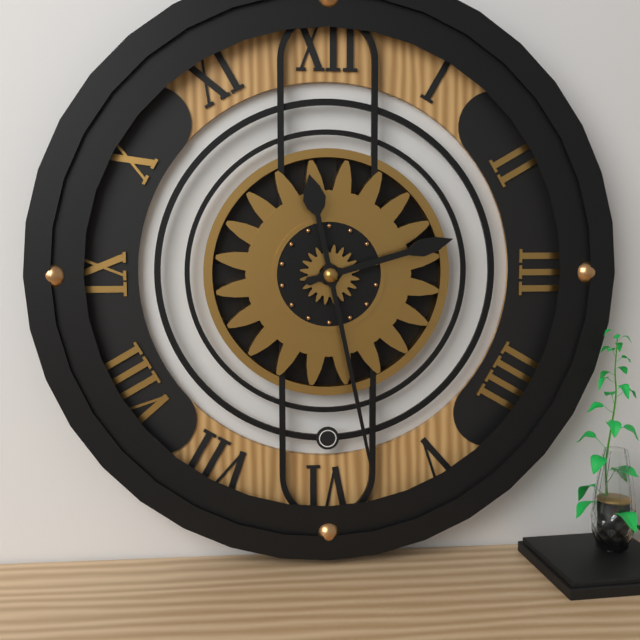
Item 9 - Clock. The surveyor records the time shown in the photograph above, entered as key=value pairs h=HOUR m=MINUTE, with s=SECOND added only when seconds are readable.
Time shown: h=2 m=28
